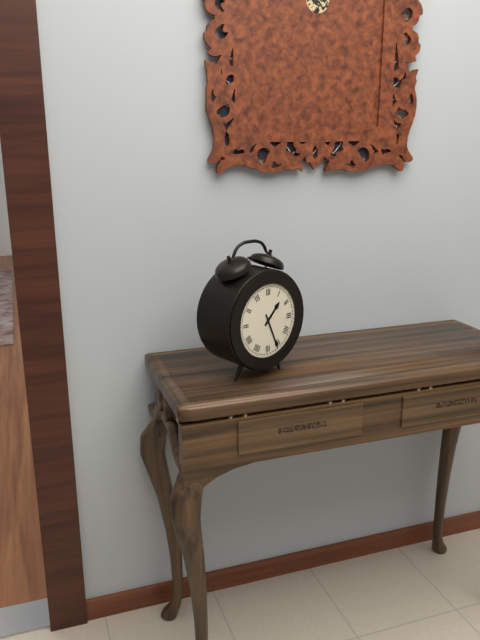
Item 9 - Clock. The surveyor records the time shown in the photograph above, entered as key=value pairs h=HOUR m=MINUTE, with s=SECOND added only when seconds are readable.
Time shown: h=1 m=26
